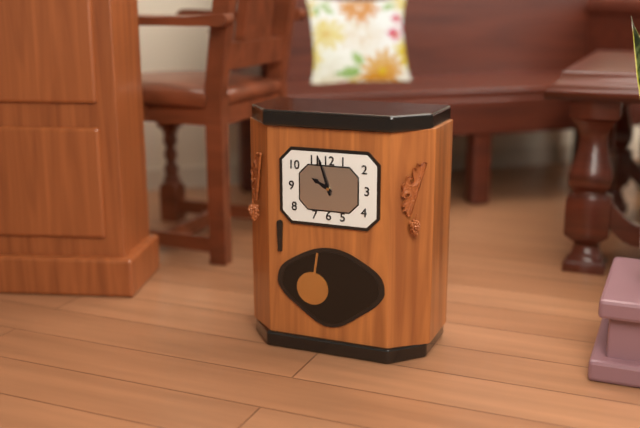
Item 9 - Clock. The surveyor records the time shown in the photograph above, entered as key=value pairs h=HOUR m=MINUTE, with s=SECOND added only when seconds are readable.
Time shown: h=9 m=57
